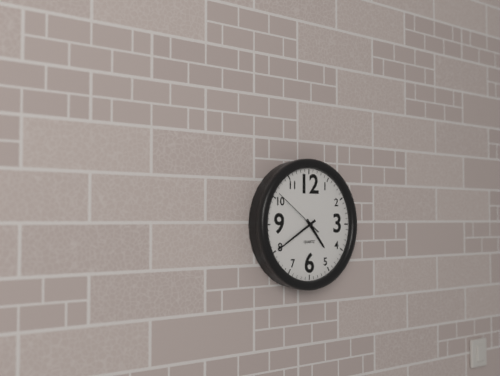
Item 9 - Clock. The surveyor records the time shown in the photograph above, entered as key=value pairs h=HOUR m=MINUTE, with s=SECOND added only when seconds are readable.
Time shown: h=4 m=40 s=51
